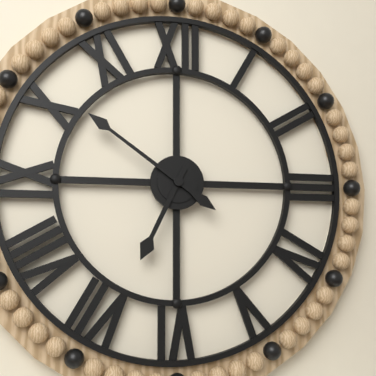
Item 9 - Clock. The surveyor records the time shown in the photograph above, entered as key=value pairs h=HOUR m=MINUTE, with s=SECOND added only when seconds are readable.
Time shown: h=6 m=51
